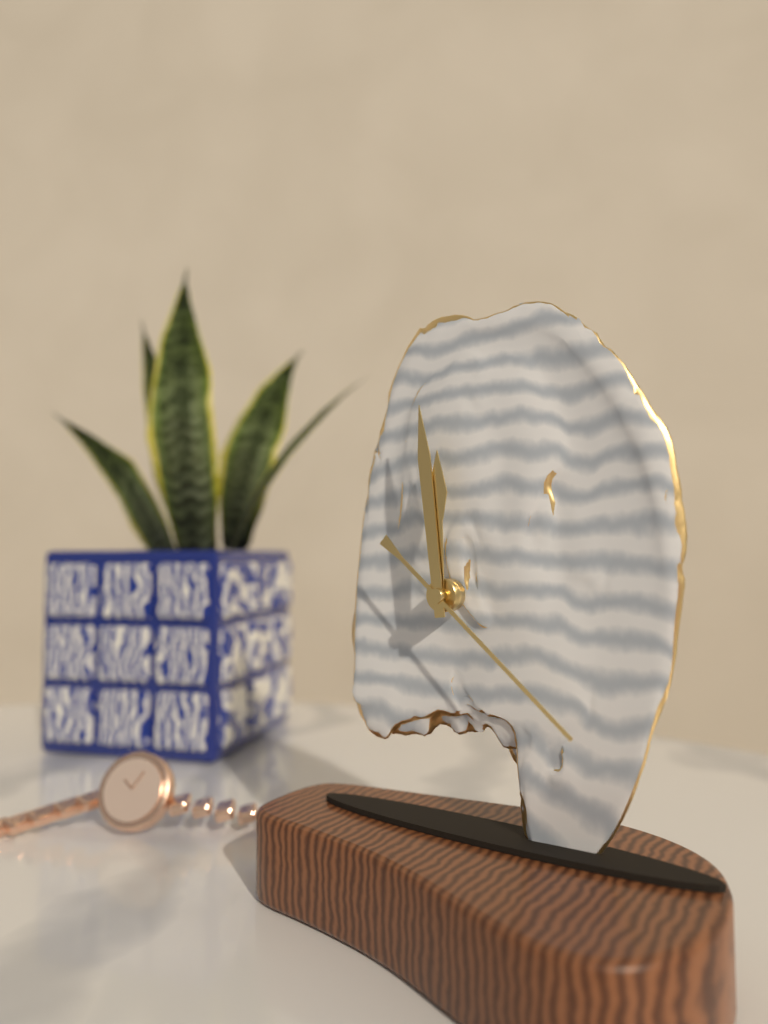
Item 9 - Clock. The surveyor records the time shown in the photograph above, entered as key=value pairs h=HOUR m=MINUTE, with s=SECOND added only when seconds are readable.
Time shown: h=11 m=59 s=22
